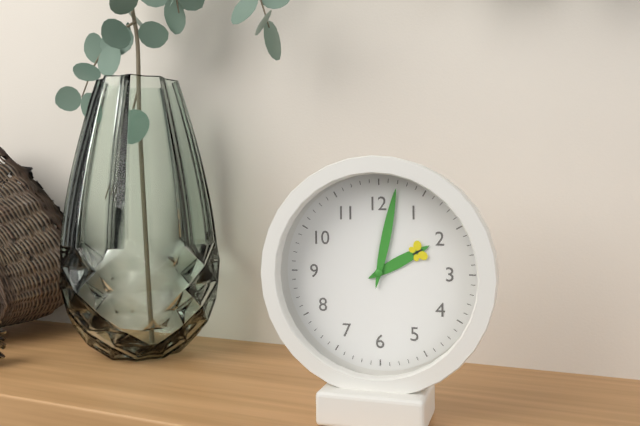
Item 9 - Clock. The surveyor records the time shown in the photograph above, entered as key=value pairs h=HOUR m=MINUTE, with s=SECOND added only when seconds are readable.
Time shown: h=2 m=2
